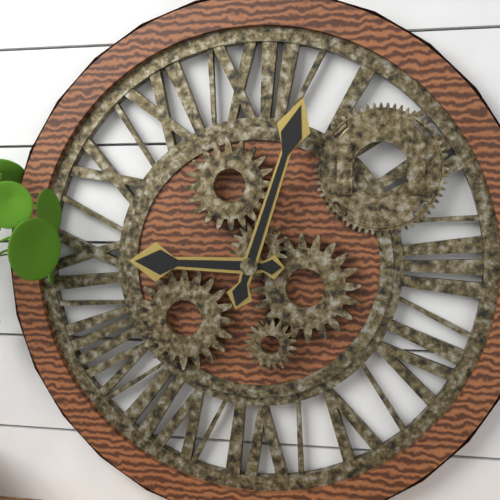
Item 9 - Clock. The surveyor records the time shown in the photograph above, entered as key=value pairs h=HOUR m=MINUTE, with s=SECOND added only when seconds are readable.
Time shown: h=9 m=3
